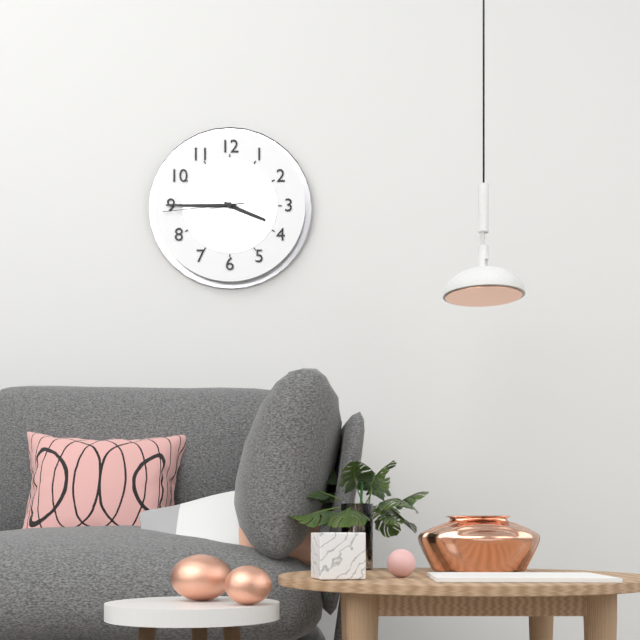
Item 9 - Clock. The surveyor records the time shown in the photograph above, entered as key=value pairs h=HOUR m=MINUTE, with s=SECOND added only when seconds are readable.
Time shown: h=3 m=45 s=44
